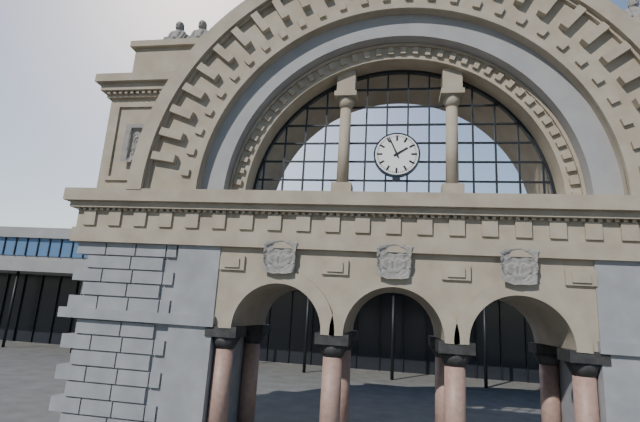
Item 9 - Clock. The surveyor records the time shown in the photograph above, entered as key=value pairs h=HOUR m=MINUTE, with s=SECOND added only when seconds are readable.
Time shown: h=1 m=56
